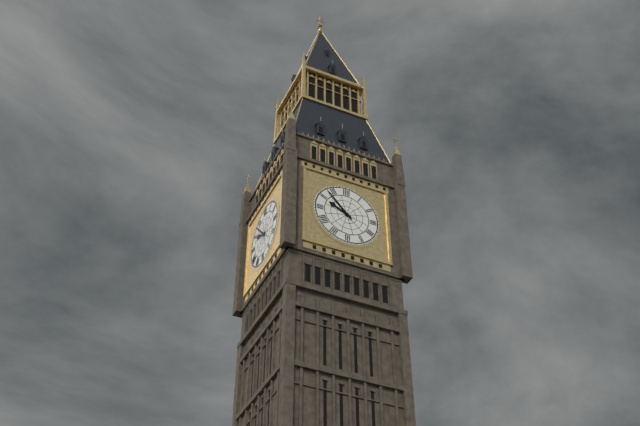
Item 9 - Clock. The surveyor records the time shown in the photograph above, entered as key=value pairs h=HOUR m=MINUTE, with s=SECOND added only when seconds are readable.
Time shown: h=9 m=53
